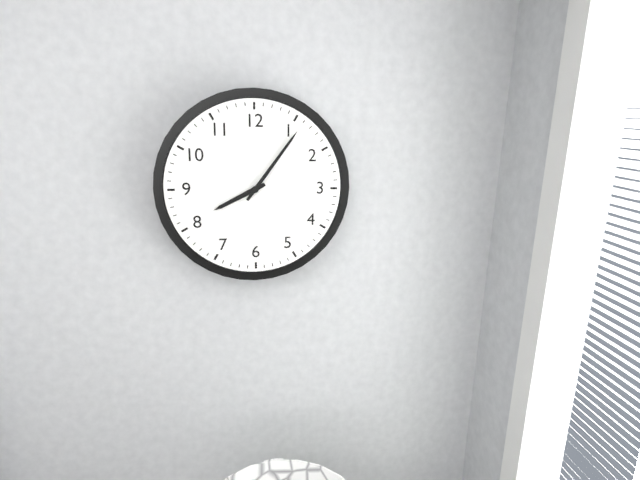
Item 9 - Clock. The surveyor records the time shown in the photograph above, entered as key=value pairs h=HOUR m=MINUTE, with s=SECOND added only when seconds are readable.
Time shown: h=8 m=6
